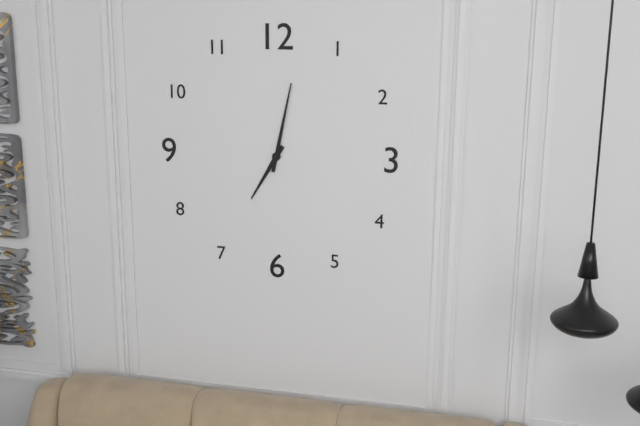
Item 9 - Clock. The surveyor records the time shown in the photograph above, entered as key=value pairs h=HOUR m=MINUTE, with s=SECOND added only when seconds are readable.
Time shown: h=7 m=2
